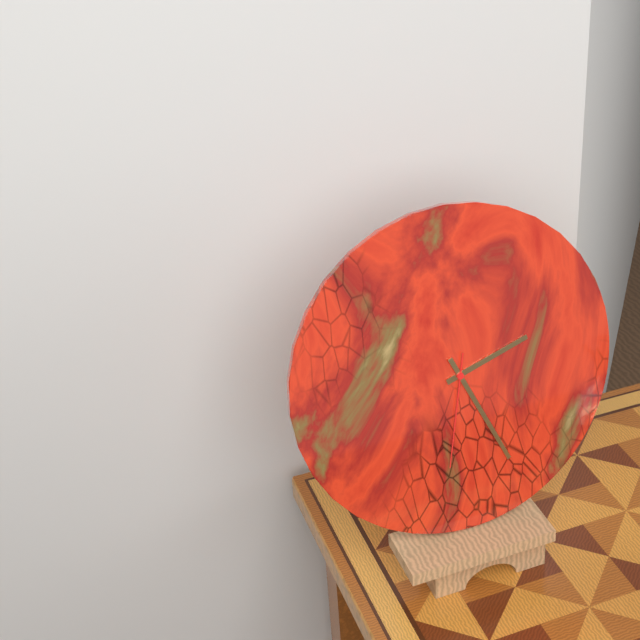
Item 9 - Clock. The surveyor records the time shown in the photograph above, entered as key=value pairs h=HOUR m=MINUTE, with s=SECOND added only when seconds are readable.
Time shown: h=2 m=26 s=32
